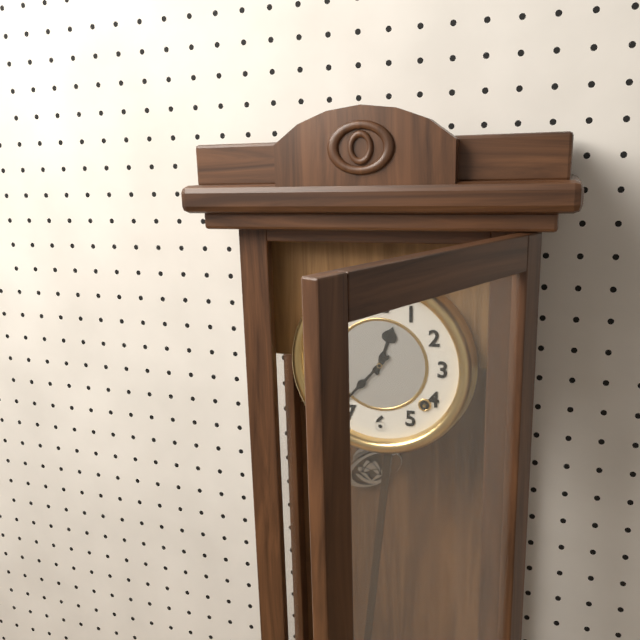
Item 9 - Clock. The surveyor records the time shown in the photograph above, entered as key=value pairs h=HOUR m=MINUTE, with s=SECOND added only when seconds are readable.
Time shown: h=12 m=37
